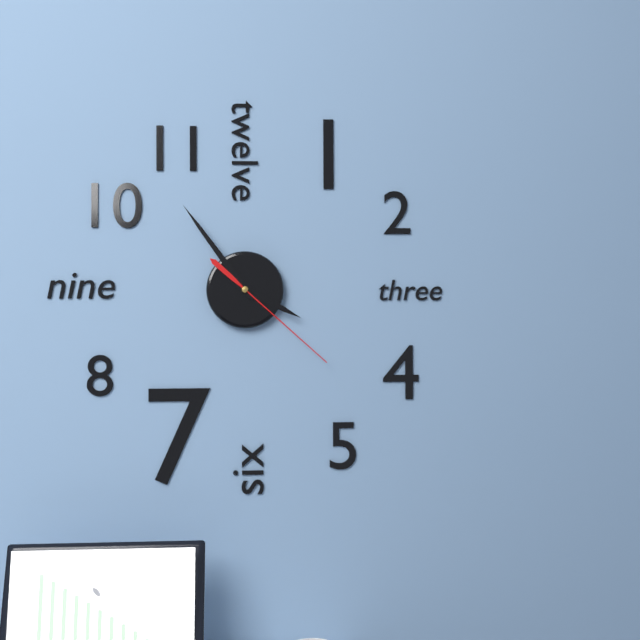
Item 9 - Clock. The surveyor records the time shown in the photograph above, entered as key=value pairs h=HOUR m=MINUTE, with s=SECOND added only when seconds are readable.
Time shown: h=3 m=54 s=22
